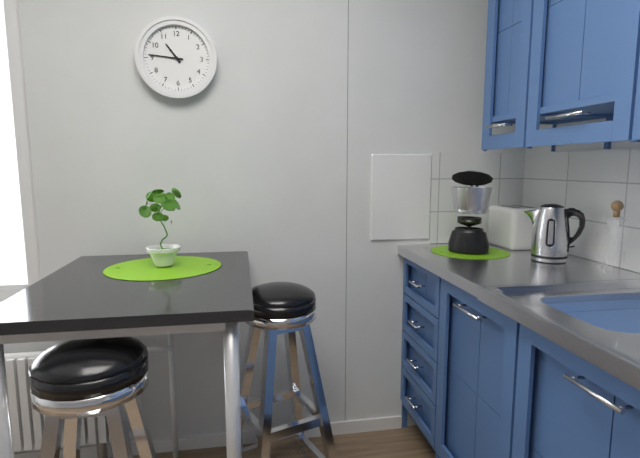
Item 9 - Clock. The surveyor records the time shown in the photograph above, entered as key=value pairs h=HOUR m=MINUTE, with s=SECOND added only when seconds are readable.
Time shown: h=10 m=46
